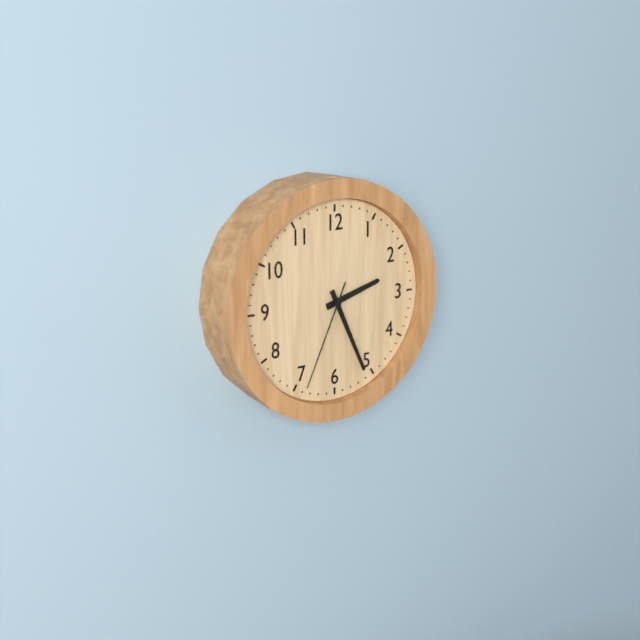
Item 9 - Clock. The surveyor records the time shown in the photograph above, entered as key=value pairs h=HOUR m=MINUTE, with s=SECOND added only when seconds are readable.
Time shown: h=2 m=26 s=34
